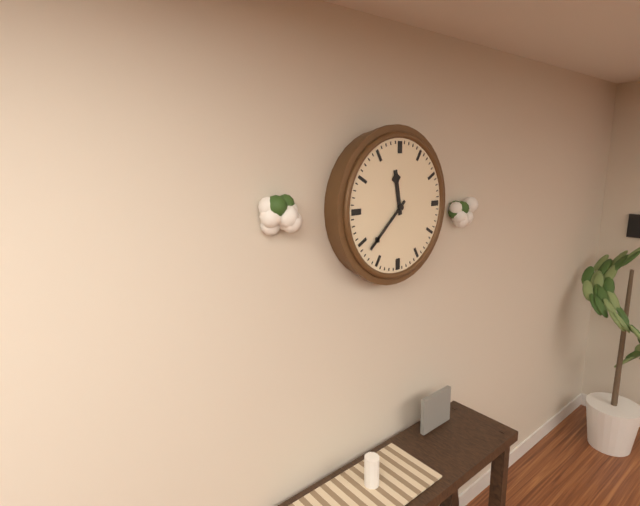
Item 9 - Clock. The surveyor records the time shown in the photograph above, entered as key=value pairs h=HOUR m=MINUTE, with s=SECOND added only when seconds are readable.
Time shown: h=11 m=38
